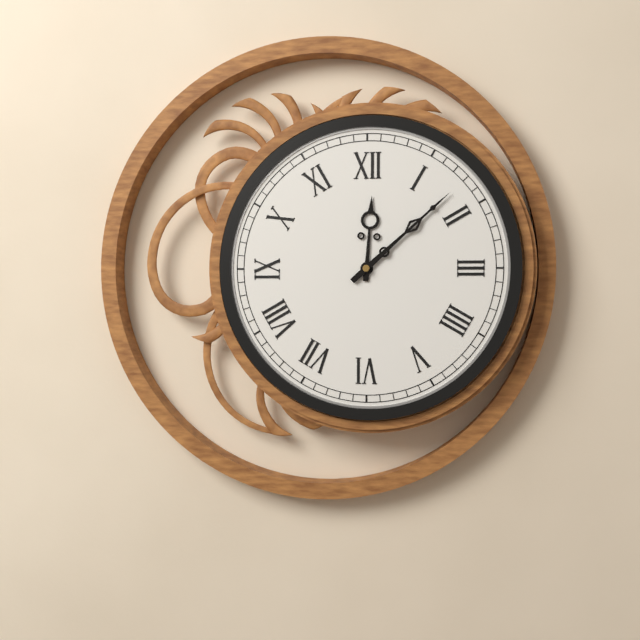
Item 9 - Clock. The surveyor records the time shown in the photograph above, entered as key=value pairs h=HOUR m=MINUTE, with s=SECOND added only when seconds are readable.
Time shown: h=12 m=8
